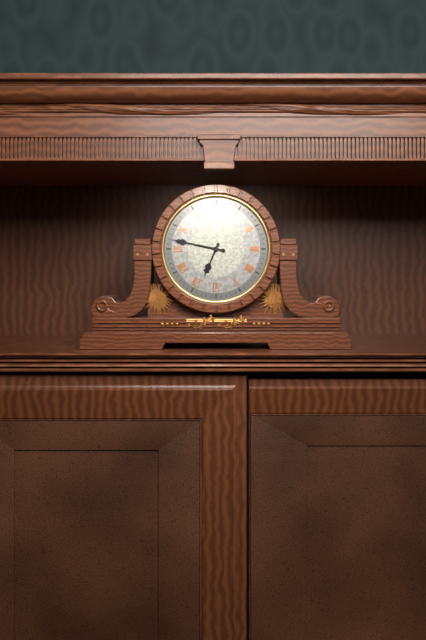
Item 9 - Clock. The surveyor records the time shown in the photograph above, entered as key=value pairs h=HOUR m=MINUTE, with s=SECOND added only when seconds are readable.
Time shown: h=6 m=47
